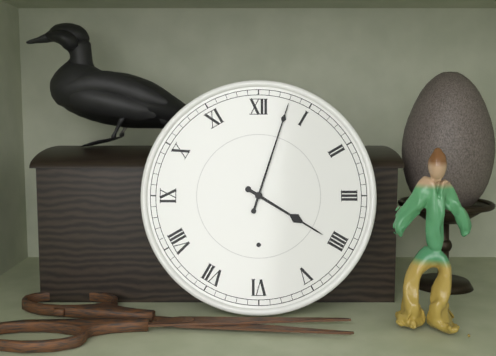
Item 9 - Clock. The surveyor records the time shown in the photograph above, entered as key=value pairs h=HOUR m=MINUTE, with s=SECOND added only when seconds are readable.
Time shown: h=4 m=3
